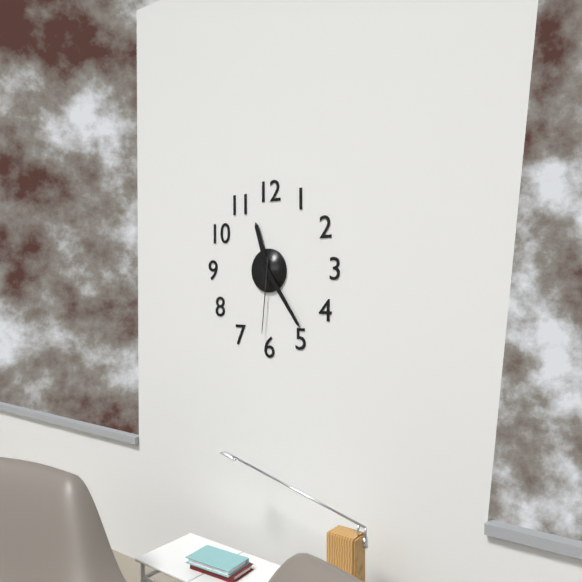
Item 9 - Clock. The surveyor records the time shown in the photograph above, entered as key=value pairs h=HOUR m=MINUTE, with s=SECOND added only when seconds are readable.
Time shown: h=11 m=24 s=31
